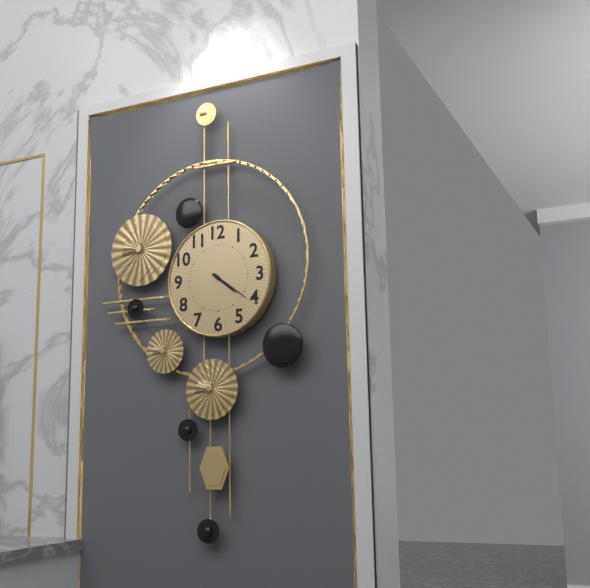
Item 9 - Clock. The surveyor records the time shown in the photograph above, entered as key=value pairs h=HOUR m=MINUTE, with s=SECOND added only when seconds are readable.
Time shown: h=4 m=21
